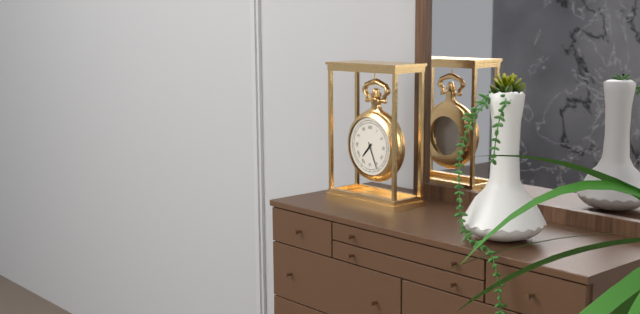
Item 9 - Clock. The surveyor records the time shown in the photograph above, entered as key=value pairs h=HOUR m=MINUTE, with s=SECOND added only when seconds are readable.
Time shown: h=7 m=26
